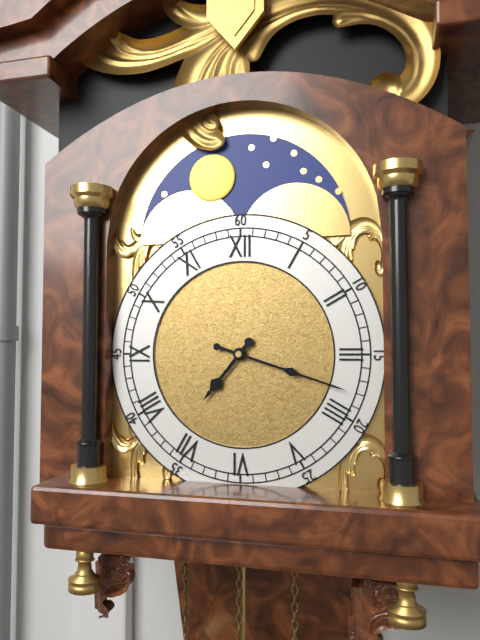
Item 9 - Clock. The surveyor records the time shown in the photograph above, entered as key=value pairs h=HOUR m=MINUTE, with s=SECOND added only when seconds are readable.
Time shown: h=7 m=18
